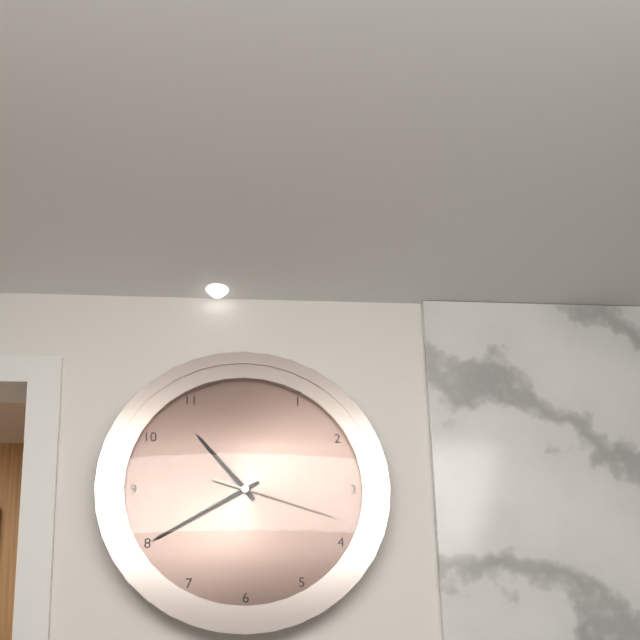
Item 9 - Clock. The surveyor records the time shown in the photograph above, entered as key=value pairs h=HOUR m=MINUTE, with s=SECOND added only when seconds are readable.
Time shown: h=10 m=40 s=18
